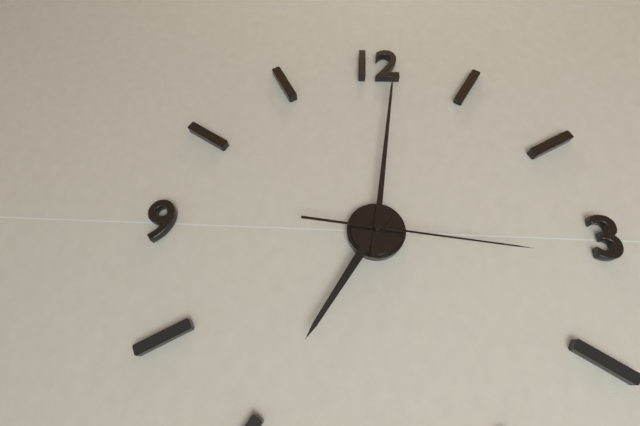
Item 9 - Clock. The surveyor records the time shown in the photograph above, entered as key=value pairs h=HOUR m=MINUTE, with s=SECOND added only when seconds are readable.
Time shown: h=7 m=1 s=16
